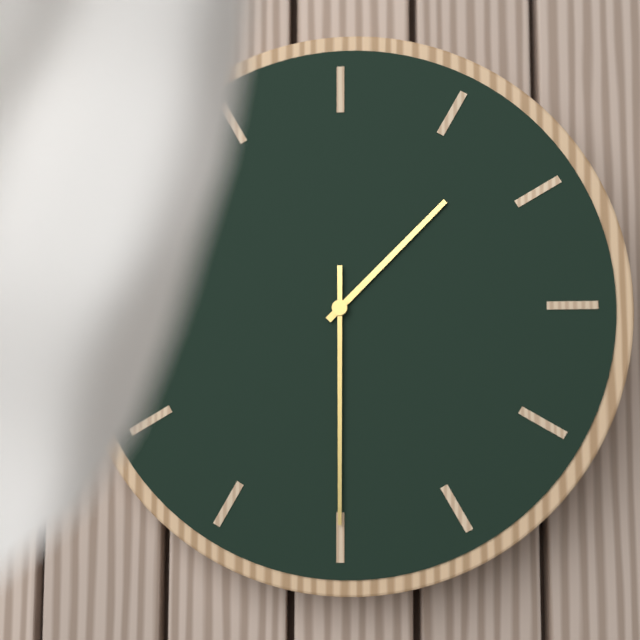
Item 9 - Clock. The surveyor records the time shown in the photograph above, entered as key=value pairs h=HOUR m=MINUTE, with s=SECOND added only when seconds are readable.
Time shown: h=1 m=30
